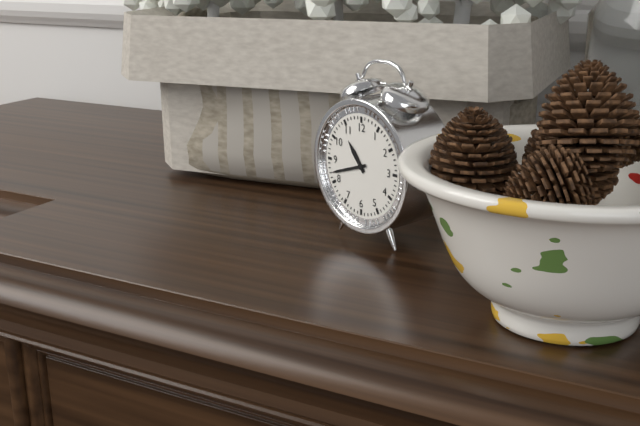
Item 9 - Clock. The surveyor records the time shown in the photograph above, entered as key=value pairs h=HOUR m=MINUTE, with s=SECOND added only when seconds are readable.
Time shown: h=10 m=42
